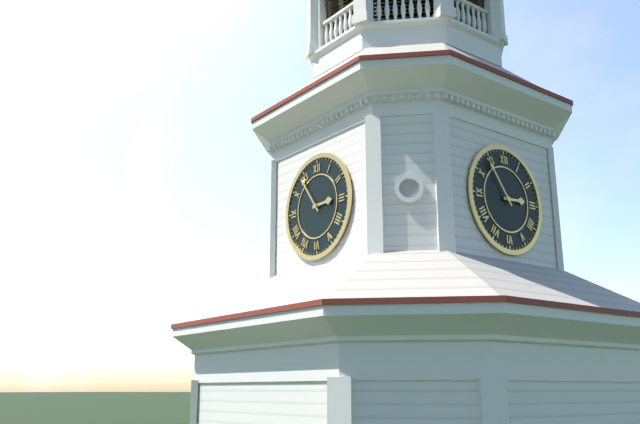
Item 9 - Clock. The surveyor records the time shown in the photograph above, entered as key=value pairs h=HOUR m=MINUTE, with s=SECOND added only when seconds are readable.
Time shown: h=2 m=54
